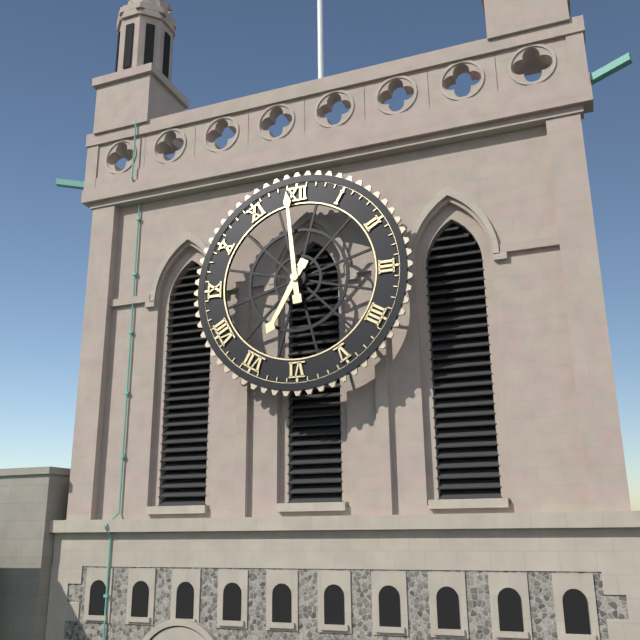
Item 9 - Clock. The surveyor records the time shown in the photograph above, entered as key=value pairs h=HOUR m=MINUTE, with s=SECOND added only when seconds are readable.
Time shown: h=6 m=59
